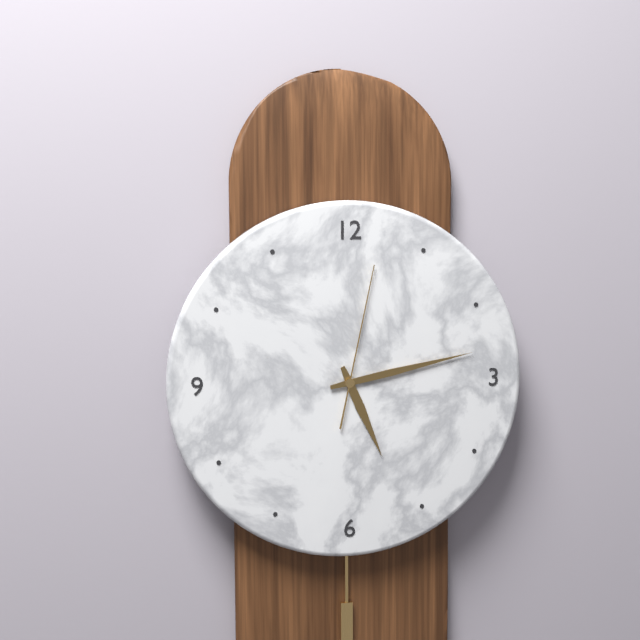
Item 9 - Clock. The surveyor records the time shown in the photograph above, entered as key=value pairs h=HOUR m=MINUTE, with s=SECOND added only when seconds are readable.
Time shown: h=5 m=13 s=2
